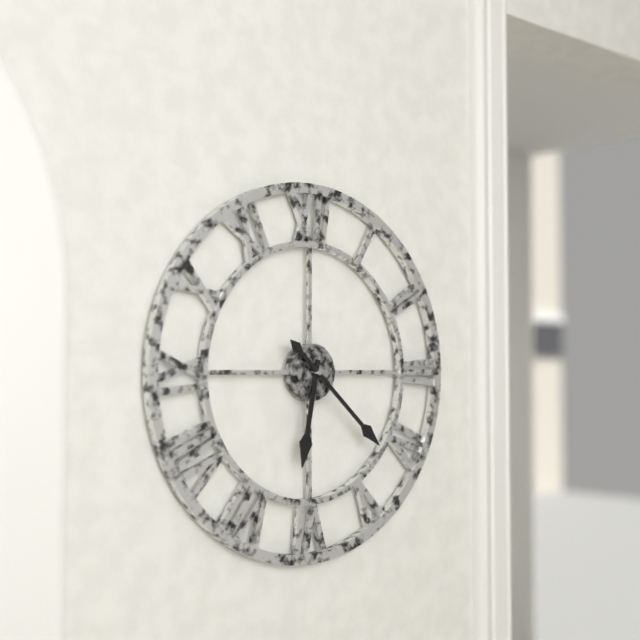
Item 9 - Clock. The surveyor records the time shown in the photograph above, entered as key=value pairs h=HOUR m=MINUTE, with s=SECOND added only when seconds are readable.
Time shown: h=6 m=22
